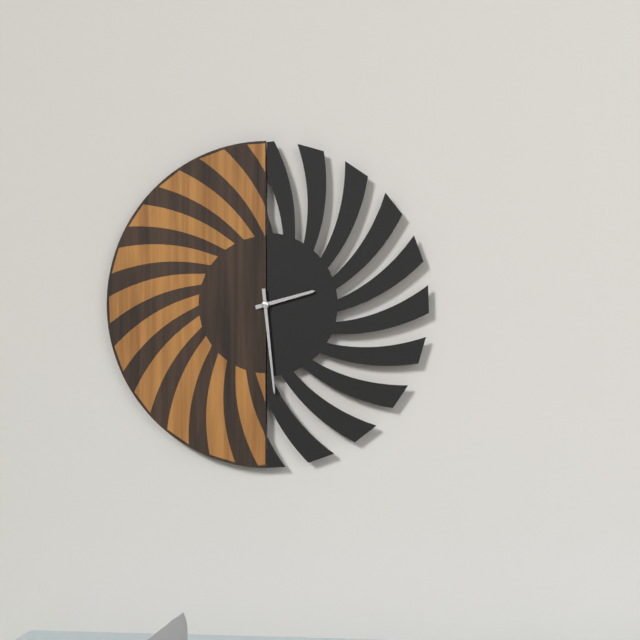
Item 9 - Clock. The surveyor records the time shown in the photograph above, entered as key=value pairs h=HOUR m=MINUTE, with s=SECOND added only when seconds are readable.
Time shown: h=2 m=29
